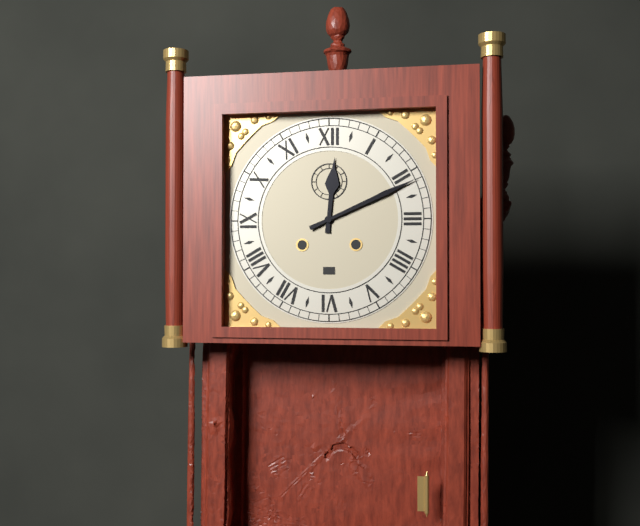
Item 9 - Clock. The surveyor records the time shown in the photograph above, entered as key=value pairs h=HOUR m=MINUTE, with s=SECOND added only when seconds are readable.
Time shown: h=12 m=11
